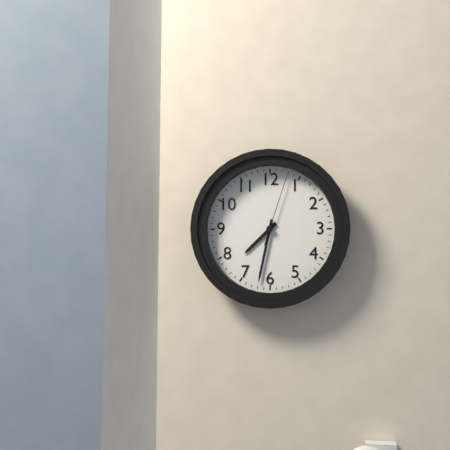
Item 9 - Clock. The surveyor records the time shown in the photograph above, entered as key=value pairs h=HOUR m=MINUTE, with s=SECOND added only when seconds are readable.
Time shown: h=7 m=32 s=3
